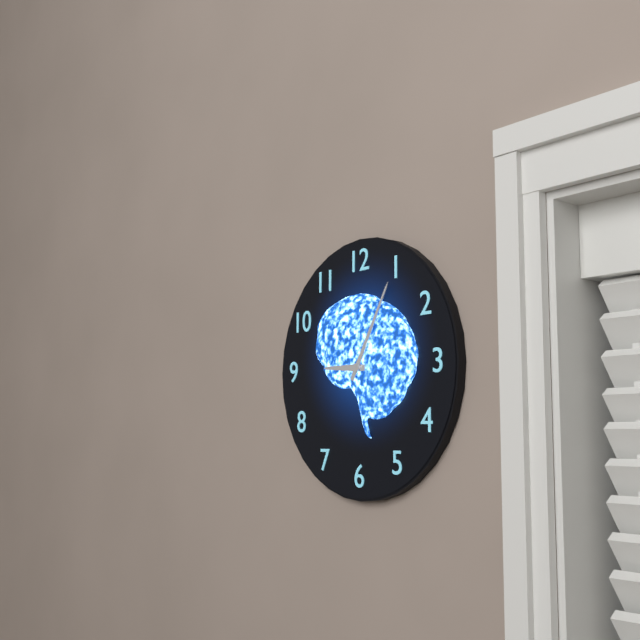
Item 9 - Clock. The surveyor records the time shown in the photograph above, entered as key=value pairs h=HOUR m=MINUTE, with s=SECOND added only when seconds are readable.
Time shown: h=9 m=5
